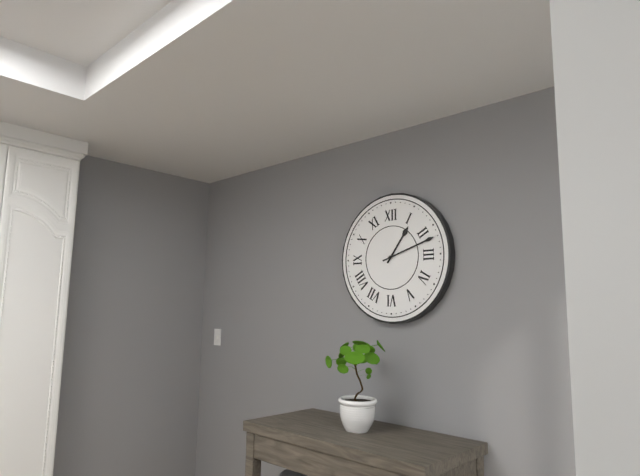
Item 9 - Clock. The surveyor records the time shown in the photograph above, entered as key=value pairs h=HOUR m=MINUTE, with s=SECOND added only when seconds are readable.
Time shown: h=1 m=12
